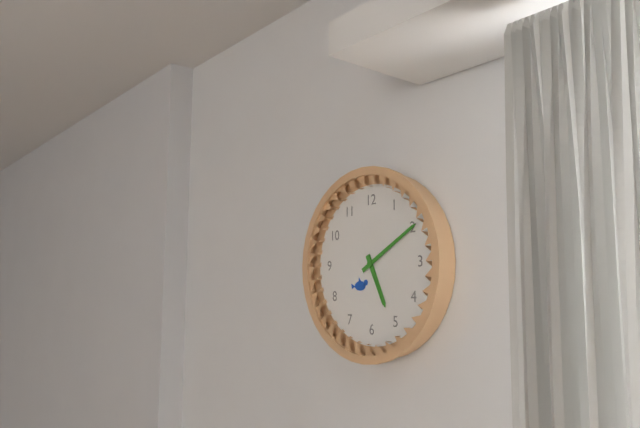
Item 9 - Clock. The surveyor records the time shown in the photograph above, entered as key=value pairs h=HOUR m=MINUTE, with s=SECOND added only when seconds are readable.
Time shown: h=5 m=10
